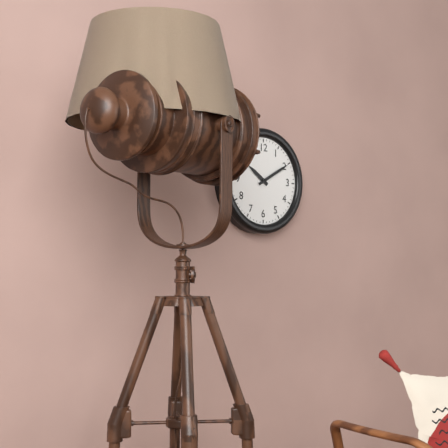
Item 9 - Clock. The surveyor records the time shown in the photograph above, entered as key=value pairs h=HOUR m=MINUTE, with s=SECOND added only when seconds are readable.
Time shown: h=10 m=10
